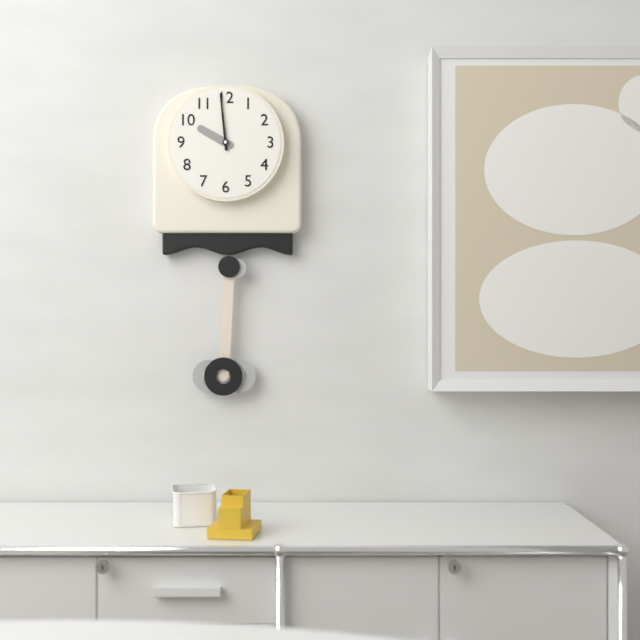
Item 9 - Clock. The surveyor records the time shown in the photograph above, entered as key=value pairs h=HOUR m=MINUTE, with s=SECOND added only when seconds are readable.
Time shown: h=9 m=59
